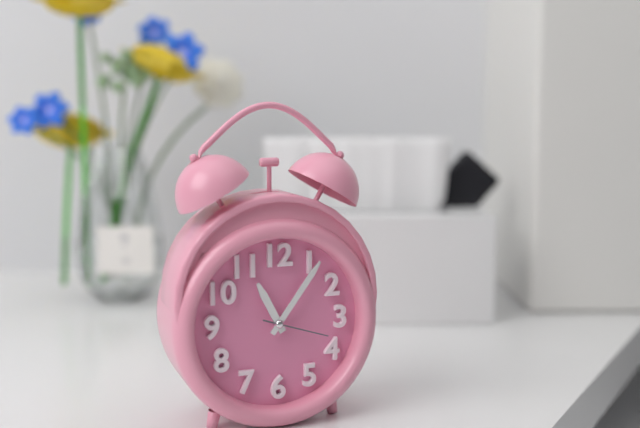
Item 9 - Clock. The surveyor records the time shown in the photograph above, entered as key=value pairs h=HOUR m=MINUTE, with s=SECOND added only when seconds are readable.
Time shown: h=11 m=6 s=18
